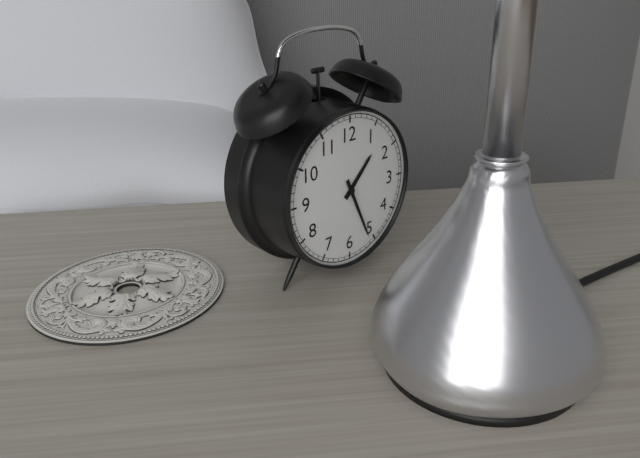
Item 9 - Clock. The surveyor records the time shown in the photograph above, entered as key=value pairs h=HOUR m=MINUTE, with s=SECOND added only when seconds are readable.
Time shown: h=1 m=26
